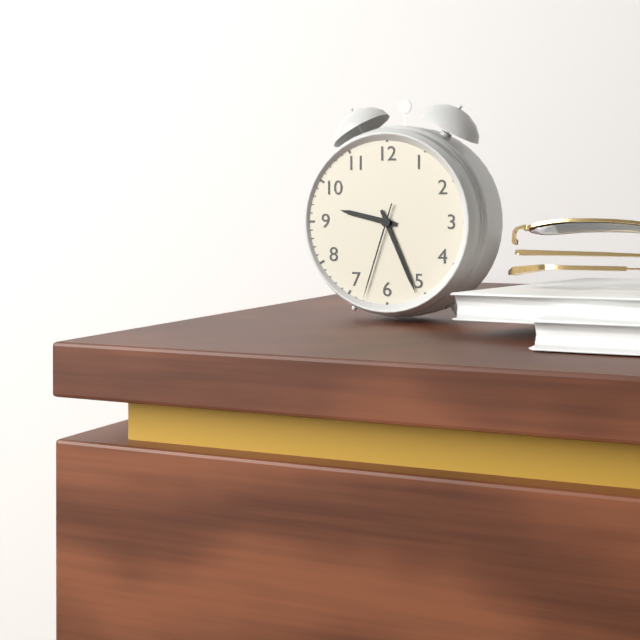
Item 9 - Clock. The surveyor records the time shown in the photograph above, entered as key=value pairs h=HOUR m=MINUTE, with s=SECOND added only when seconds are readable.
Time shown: h=9 m=26 s=33
